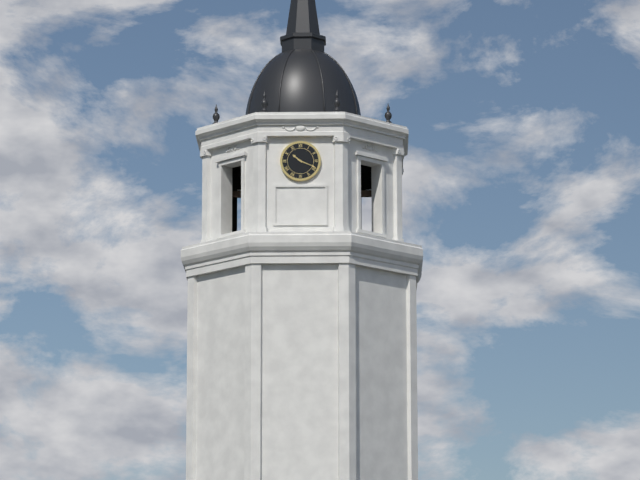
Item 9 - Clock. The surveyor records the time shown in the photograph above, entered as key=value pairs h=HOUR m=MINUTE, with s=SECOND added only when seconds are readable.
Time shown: h=10 m=19
